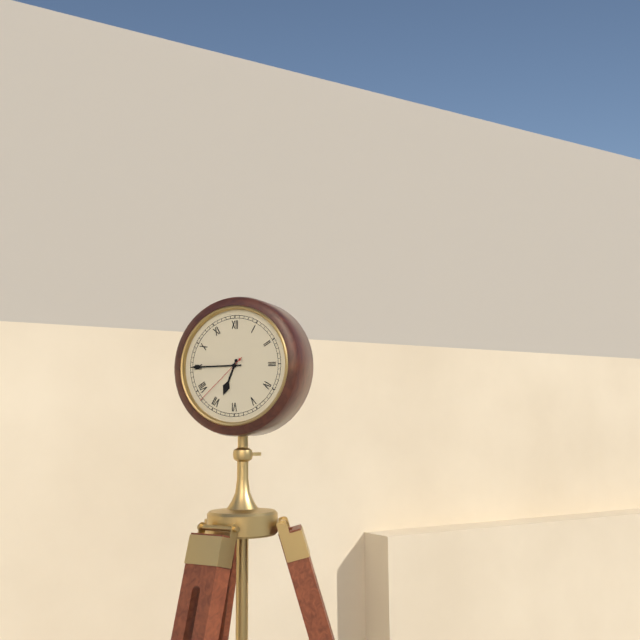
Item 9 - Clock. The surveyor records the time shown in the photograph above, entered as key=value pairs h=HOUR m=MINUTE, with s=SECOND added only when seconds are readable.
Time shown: h=6 m=45 s=38
